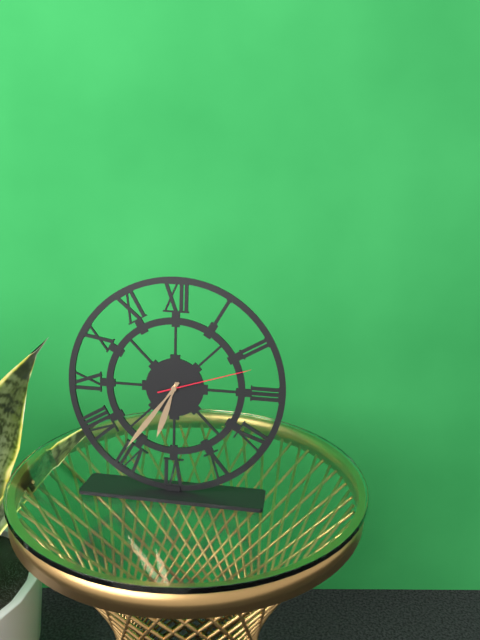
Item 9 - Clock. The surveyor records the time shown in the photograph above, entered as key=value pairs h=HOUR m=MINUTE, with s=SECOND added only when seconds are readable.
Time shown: h=6 m=36 s=12
